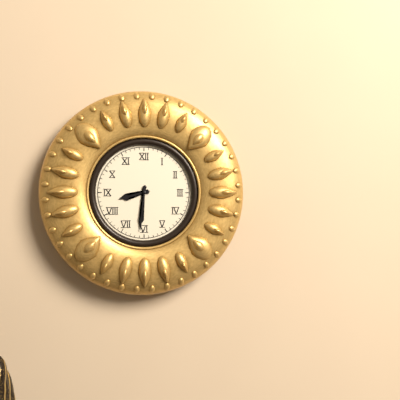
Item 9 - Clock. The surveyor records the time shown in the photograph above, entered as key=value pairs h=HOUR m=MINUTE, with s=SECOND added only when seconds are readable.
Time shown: h=8 m=31
